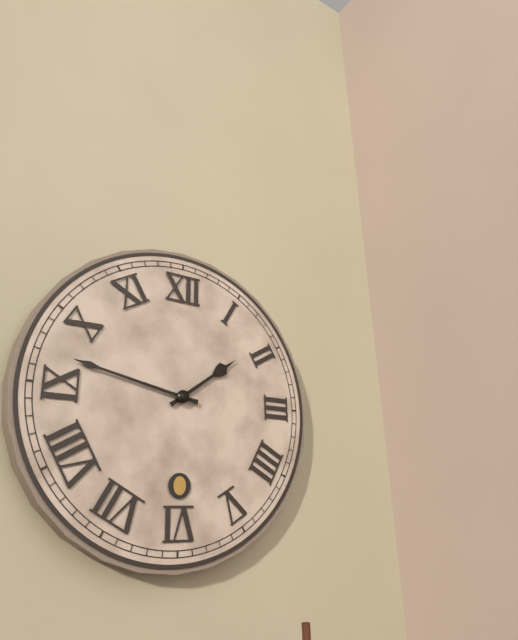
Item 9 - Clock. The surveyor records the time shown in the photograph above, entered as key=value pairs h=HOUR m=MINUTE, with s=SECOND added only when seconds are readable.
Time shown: h=1 m=47
